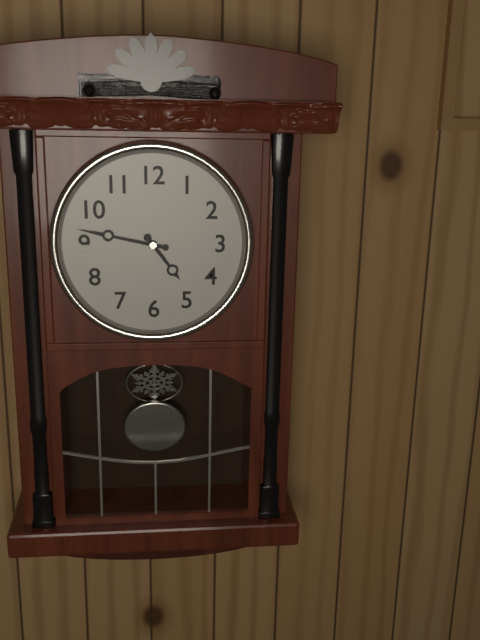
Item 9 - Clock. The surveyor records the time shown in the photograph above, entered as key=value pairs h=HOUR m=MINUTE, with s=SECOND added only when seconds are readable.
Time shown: h=4 m=47
